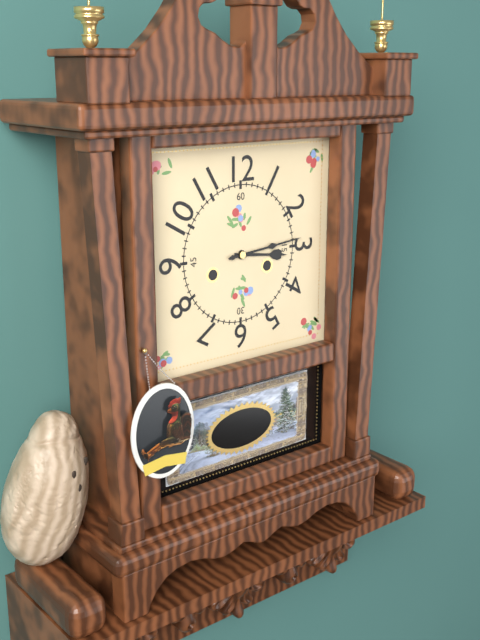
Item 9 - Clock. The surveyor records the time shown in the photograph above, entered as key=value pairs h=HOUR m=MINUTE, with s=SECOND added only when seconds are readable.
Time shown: h=3 m=14
